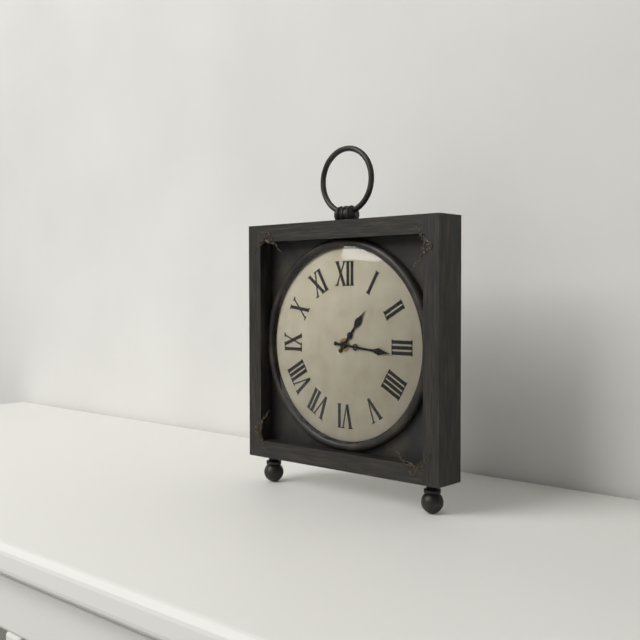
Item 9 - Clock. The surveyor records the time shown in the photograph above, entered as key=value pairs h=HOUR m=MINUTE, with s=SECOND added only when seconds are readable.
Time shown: h=1 m=16
